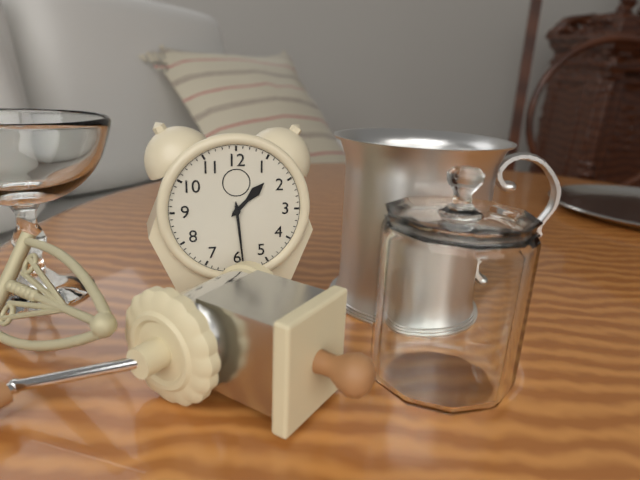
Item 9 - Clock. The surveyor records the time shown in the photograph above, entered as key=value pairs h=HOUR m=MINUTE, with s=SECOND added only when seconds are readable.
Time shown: h=1 m=29
